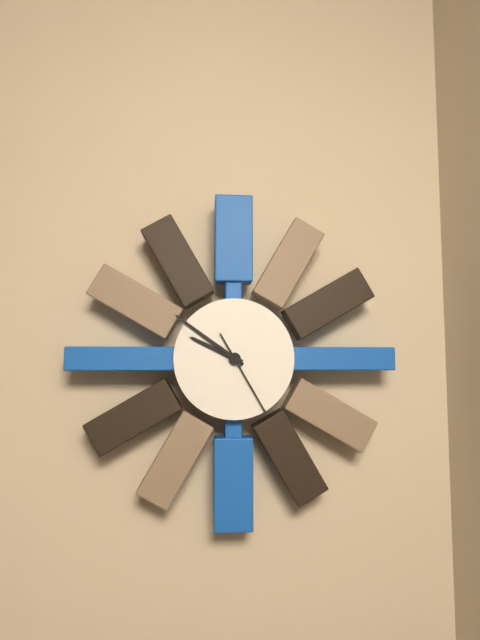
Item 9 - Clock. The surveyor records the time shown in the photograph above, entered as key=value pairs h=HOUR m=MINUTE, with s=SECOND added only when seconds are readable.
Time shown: h=9 m=51 s=25
